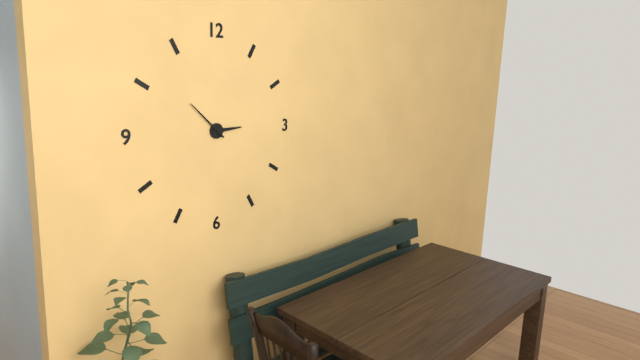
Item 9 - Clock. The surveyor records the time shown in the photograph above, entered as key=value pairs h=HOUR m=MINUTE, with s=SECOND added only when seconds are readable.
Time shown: h=2 m=52
